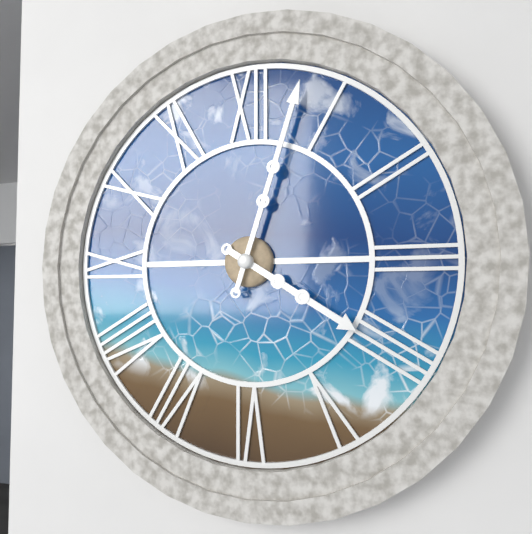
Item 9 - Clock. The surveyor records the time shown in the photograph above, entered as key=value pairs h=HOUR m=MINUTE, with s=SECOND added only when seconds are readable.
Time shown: h=4 m=3
